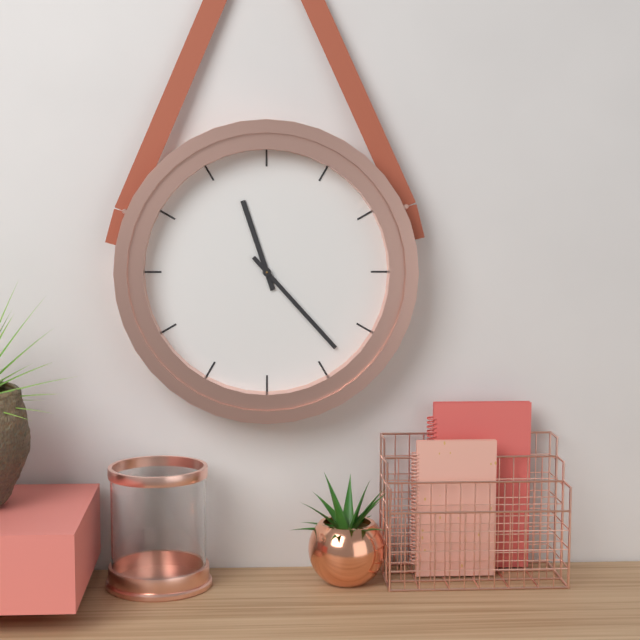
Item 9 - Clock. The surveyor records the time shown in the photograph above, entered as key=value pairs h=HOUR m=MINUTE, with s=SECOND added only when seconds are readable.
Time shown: h=11 m=23
